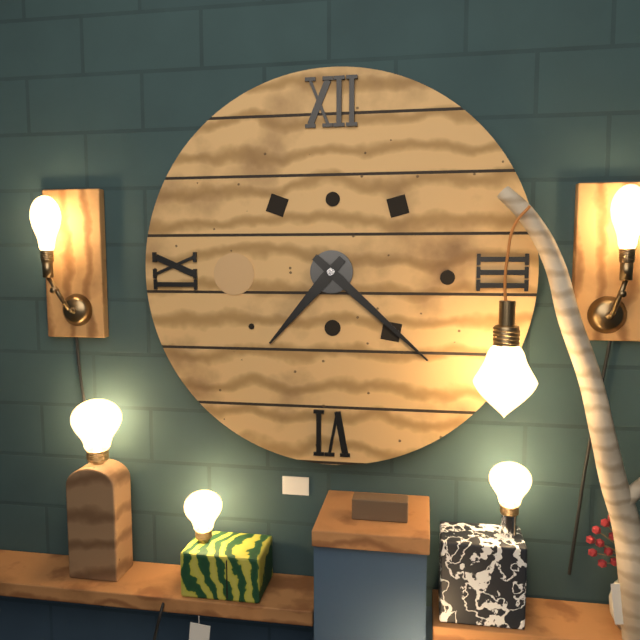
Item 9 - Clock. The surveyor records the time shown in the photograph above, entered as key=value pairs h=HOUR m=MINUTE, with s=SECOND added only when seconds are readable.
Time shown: h=7 m=22
